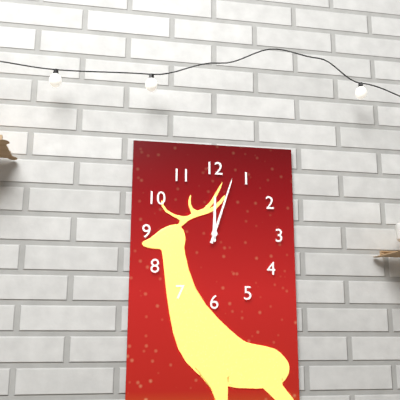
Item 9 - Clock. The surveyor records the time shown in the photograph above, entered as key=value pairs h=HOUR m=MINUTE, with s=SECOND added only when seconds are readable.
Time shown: h=12 m=3
